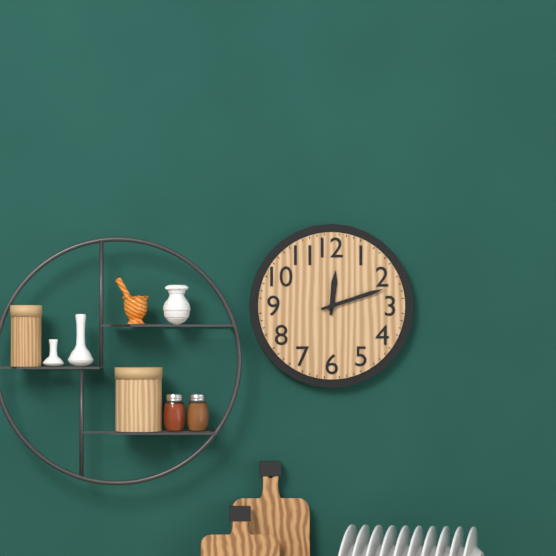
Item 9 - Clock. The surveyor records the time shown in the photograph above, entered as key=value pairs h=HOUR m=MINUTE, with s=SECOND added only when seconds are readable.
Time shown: h=12 m=12
